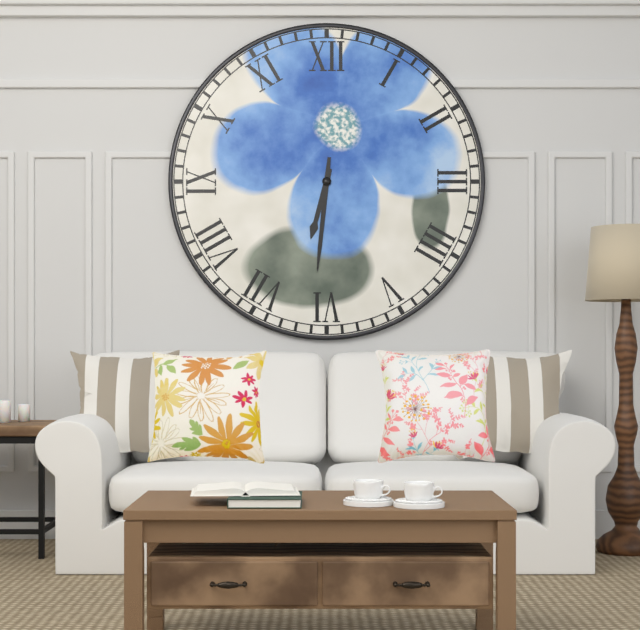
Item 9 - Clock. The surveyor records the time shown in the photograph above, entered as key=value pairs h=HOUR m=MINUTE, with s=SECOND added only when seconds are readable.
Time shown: h=6 m=31
